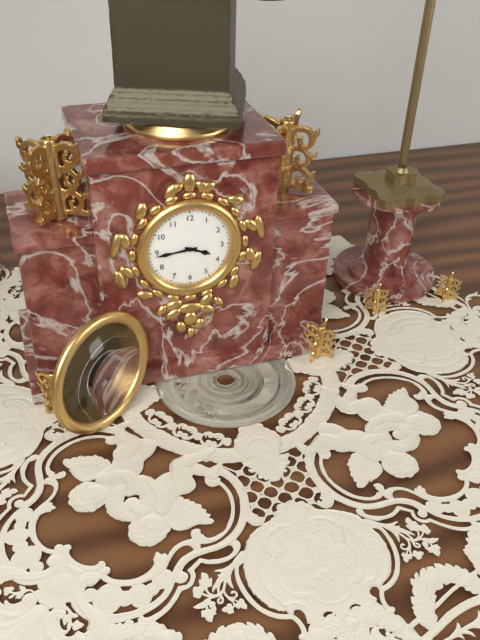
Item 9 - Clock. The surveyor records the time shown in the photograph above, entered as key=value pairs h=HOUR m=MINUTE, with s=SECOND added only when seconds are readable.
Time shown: h=3 m=44
